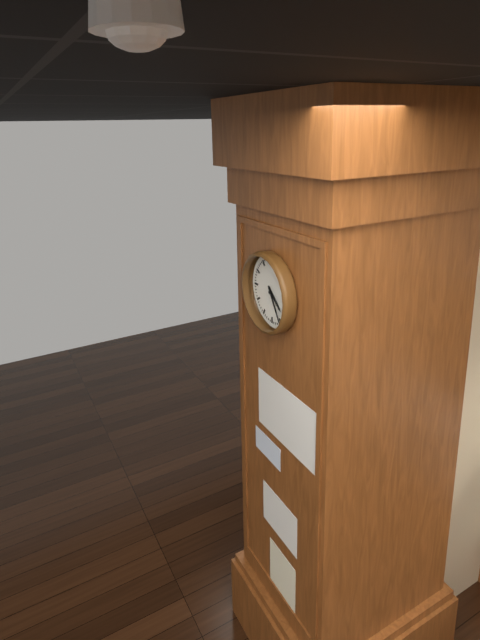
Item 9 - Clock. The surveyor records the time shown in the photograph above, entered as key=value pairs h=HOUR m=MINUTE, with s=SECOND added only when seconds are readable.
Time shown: h=4 m=25
